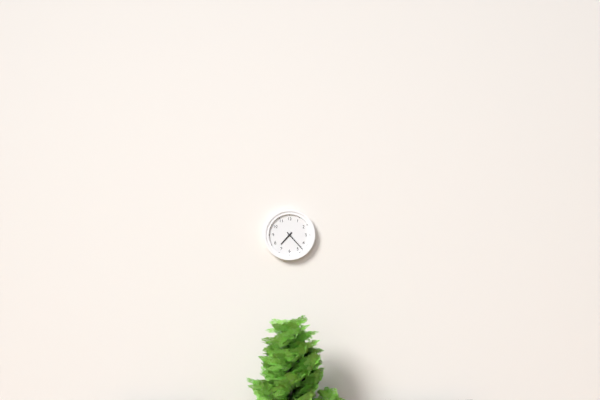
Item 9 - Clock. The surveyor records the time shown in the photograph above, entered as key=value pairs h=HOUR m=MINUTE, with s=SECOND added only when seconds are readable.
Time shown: h=7 m=23
